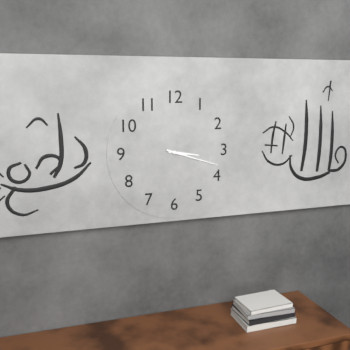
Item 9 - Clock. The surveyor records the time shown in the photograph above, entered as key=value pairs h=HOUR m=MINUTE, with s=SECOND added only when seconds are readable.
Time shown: h=3 m=18
